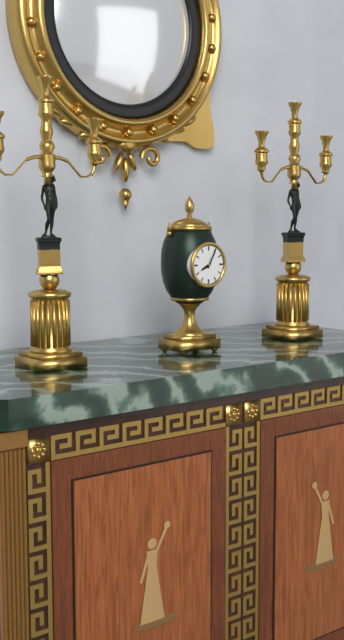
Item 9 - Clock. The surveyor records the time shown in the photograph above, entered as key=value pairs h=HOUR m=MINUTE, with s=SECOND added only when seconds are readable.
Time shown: h=8 m=5
